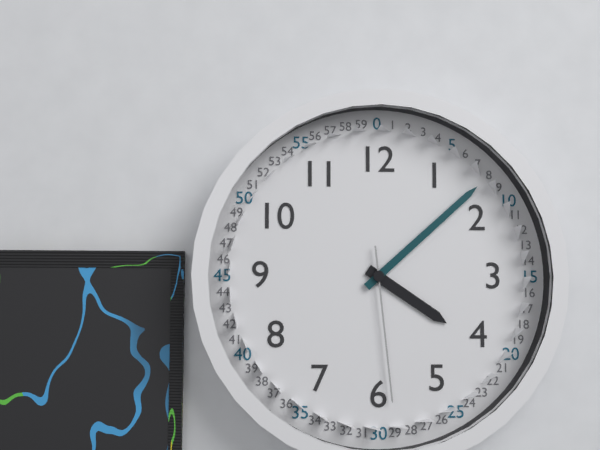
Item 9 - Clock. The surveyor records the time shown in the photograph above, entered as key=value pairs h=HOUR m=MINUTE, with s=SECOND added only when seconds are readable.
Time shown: h=4 m=8 s=29
